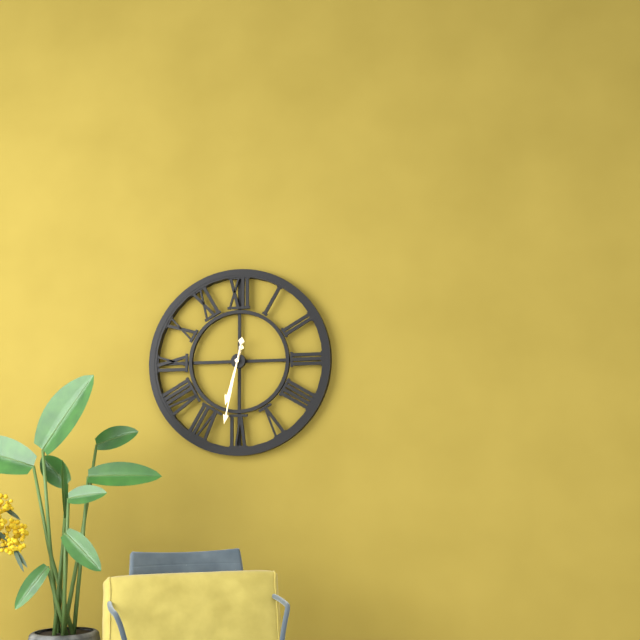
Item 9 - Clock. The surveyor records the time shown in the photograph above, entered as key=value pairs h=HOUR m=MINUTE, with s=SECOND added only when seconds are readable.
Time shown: h=6 m=32
